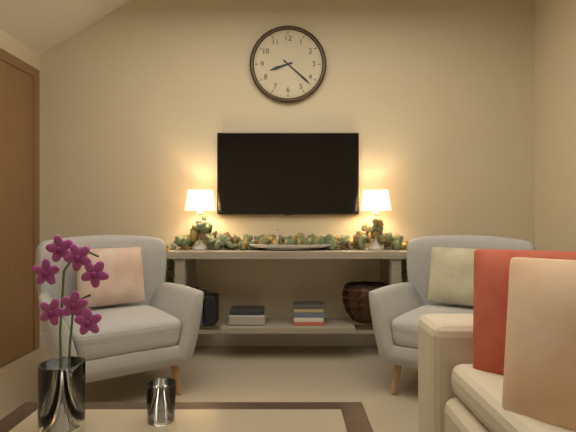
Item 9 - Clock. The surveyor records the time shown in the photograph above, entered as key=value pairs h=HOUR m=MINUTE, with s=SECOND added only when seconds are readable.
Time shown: h=8 m=22
